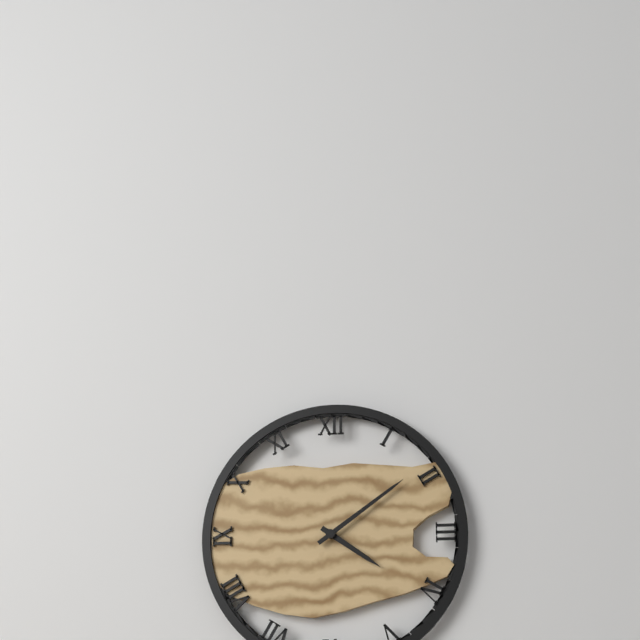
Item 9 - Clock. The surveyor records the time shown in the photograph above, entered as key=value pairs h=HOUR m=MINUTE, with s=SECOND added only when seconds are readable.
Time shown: h=4 m=9
